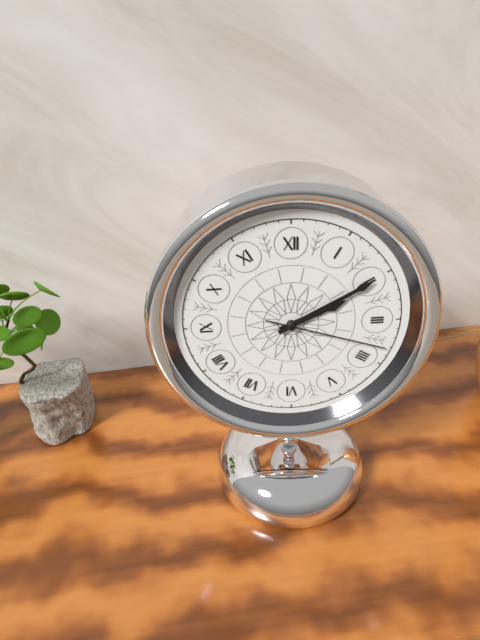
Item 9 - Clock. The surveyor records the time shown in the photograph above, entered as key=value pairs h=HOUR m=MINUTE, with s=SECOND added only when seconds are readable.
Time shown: h=2 m=10 s=18
